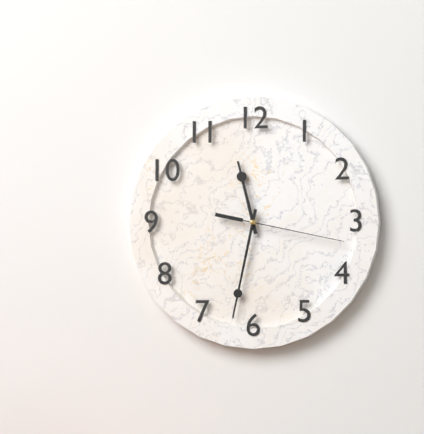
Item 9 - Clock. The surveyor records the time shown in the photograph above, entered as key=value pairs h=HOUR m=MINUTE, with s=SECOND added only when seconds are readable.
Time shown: h=11 m=32 s=17
